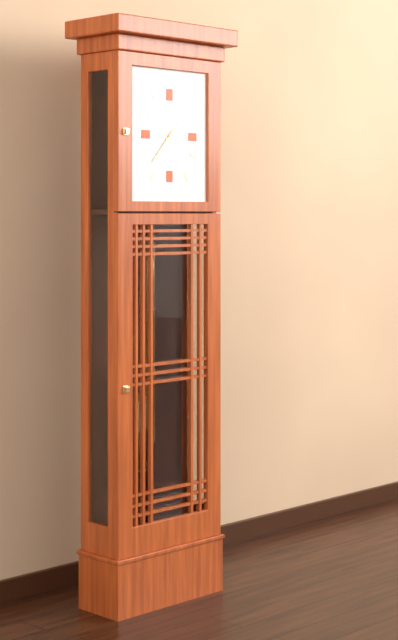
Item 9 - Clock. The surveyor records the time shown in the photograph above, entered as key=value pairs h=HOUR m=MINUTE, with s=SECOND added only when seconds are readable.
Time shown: h=1 m=37
